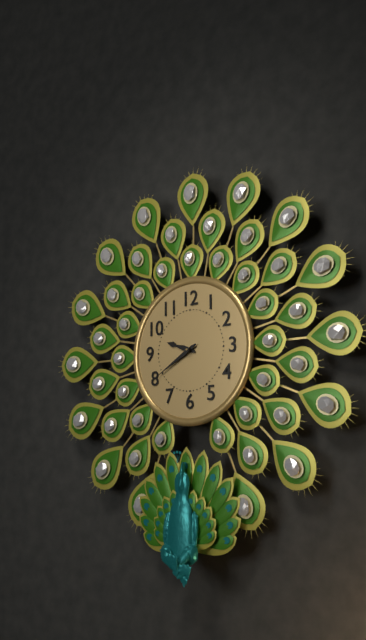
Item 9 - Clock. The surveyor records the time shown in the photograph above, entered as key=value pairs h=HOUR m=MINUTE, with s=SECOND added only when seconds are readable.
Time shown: h=9 m=40
